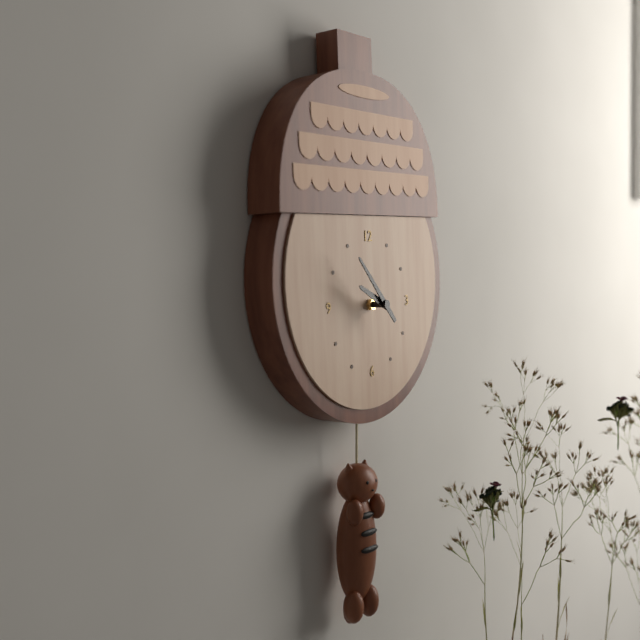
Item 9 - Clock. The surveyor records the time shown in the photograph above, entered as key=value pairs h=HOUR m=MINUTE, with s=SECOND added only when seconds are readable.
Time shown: h=9 m=53
